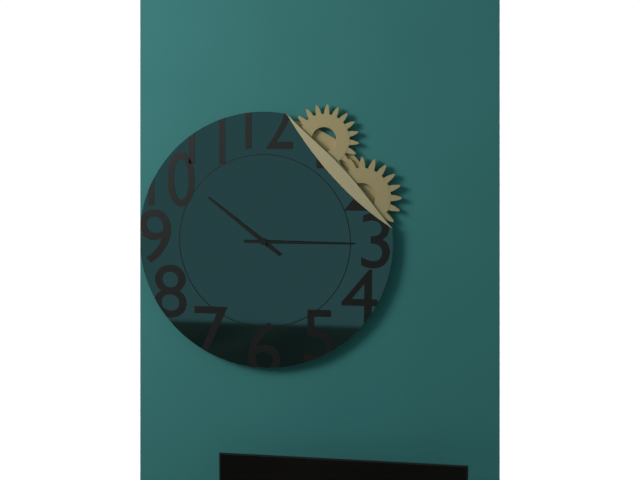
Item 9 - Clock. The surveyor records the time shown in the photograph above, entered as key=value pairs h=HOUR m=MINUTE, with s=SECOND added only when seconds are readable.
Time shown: h=10 m=15
